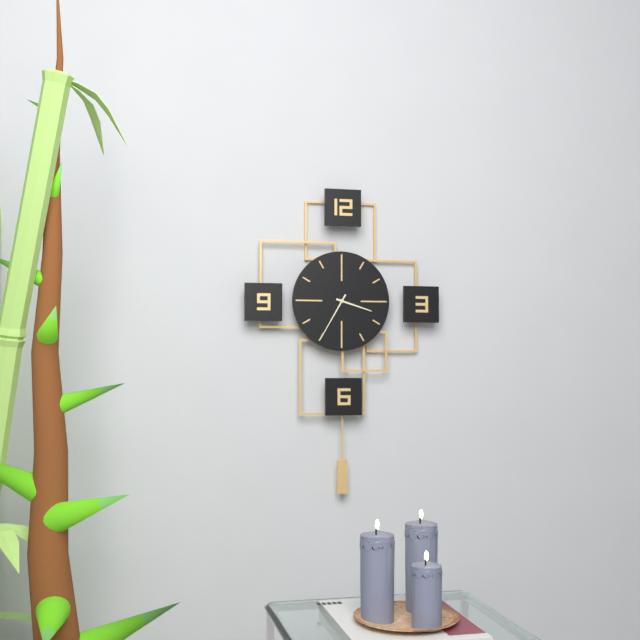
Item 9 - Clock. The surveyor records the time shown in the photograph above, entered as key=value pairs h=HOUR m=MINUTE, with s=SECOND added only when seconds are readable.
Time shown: h=3 m=35
